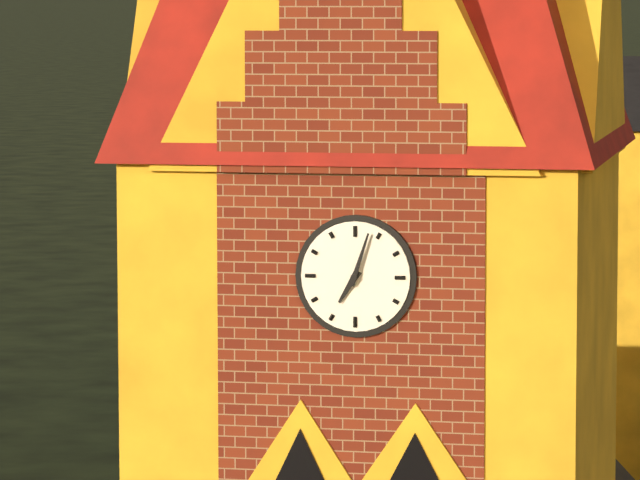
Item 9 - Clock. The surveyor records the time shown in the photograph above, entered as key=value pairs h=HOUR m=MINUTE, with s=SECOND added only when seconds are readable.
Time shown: h=7 m=3
